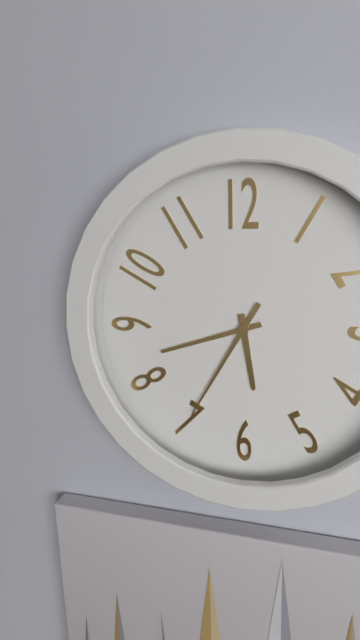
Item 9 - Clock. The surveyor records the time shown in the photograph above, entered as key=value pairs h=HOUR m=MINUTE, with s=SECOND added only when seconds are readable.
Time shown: h=5 m=42 s=35
